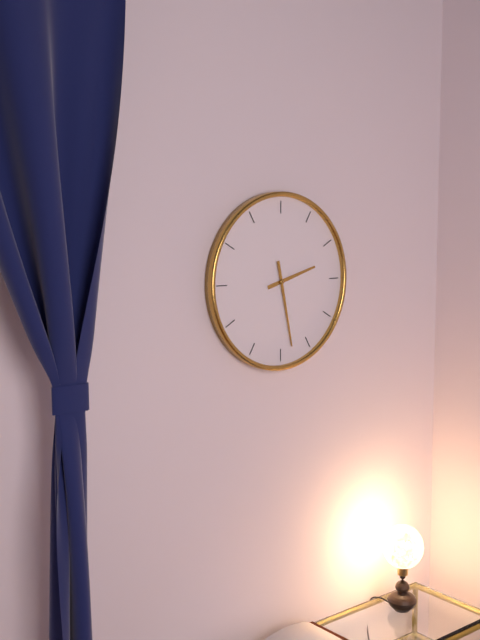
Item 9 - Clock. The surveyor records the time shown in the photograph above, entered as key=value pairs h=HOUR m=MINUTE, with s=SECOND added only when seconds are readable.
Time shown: h=2 m=28
